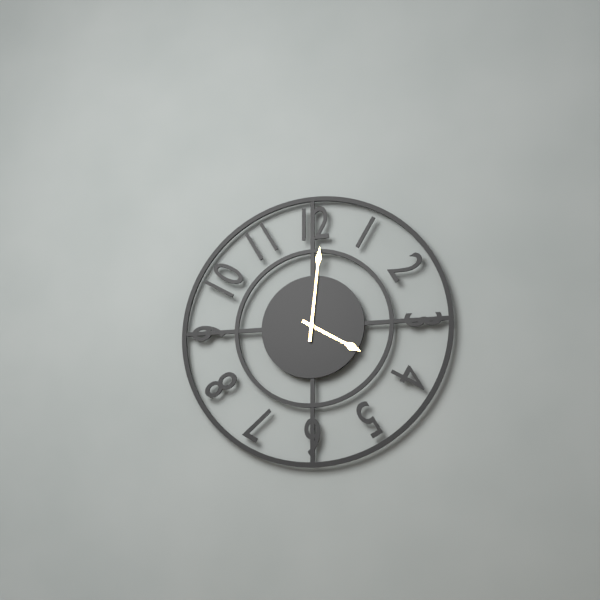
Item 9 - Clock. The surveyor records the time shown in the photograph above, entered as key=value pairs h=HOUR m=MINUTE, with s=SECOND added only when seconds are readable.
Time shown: h=4 m=1
